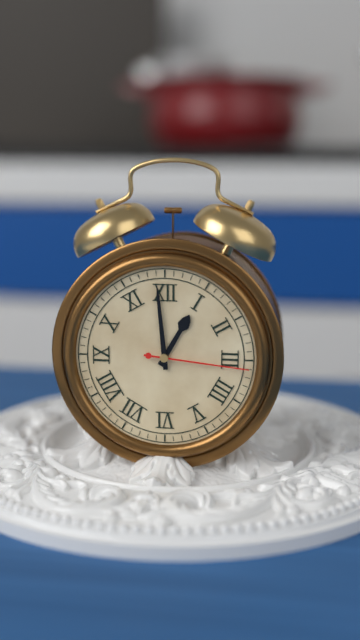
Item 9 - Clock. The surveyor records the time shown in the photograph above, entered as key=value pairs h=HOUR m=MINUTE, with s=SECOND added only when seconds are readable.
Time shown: h=12 m=59 s=16
